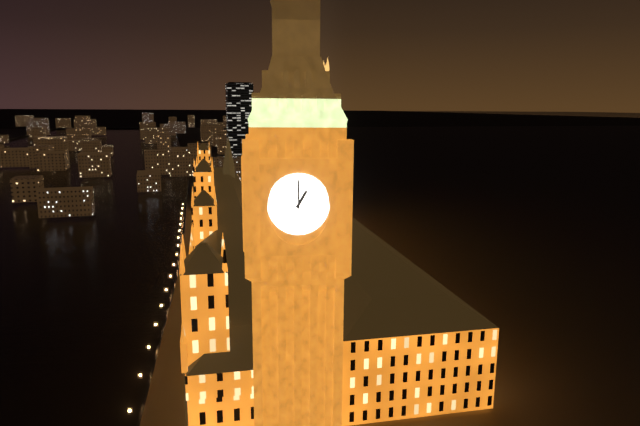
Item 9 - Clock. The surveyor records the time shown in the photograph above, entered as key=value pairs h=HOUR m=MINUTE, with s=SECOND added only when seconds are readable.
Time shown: h=1 m=0
